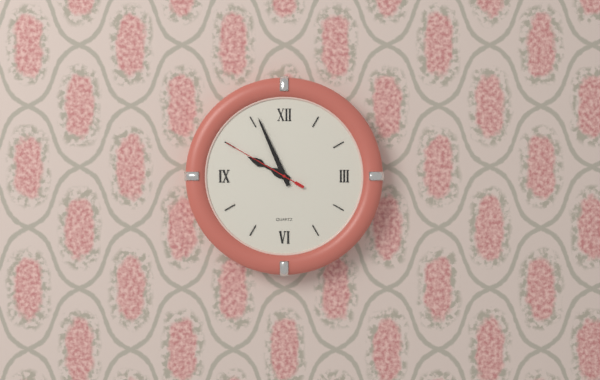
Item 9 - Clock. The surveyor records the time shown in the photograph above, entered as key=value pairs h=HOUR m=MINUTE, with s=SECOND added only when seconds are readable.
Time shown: h=9 m=56 s=50
